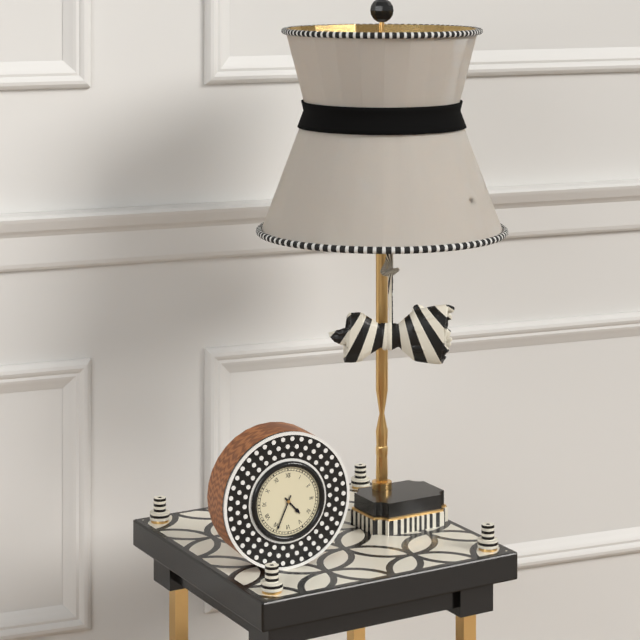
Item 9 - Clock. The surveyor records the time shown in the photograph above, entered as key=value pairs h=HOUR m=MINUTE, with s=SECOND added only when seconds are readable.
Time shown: h=4 m=34
